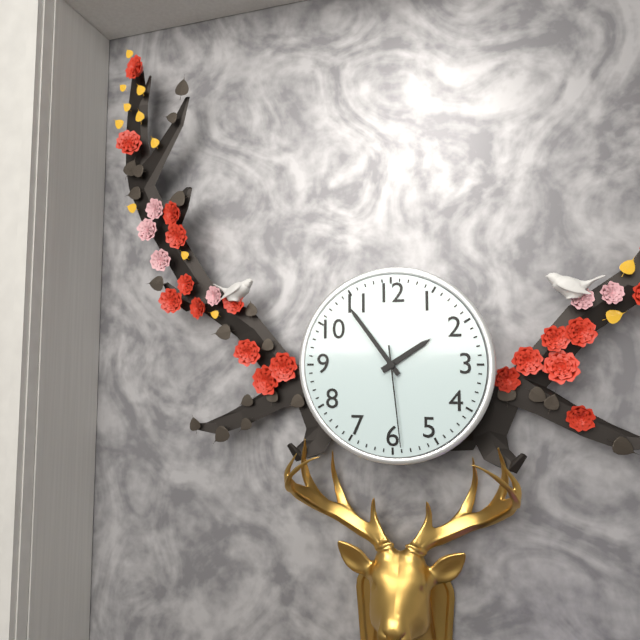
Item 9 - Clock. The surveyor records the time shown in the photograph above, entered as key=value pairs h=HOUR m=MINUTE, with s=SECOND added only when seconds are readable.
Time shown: h=1 m=54 s=29
